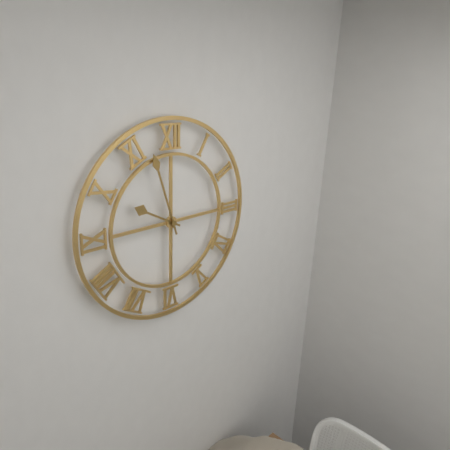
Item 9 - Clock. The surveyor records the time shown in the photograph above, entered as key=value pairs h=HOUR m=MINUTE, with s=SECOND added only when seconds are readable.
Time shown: h=9 m=57
